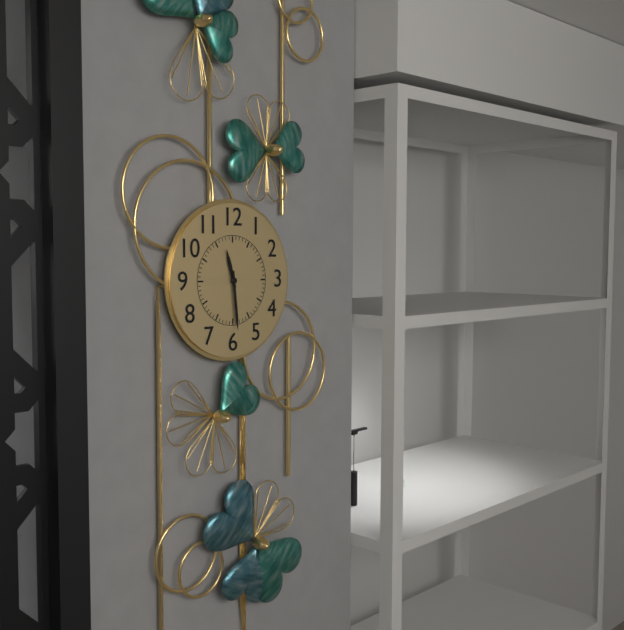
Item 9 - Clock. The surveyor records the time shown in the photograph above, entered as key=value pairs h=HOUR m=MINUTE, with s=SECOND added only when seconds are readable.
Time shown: h=11 m=29
